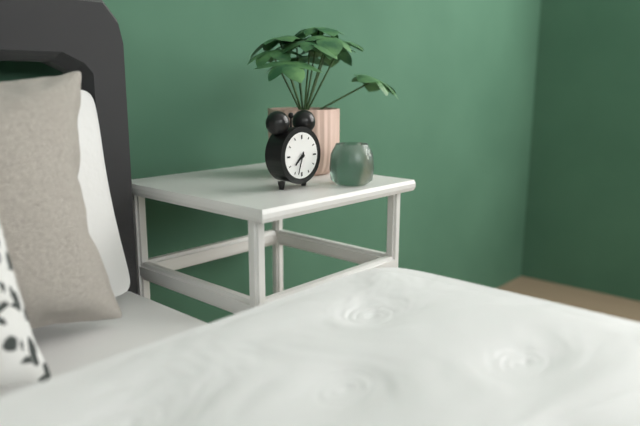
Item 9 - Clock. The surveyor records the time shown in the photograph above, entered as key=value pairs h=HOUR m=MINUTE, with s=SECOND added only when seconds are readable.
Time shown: h=7 m=33
